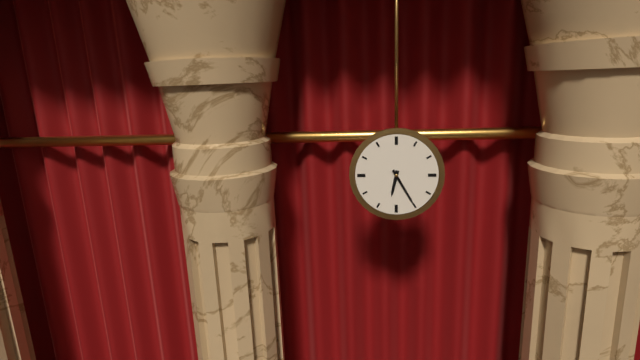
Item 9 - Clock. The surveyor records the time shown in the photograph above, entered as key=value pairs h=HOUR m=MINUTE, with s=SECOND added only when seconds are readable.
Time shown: h=6 m=25
